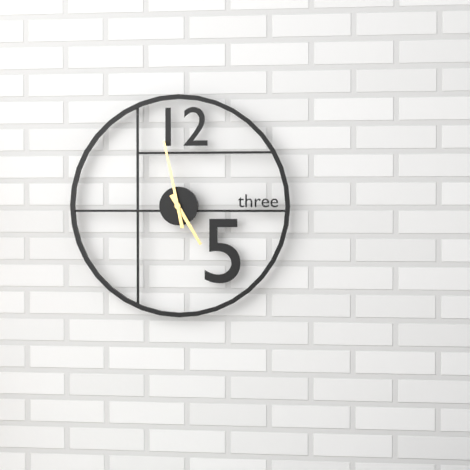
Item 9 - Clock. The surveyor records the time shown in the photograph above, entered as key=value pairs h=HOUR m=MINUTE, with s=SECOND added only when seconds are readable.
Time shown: h=4 m=58
